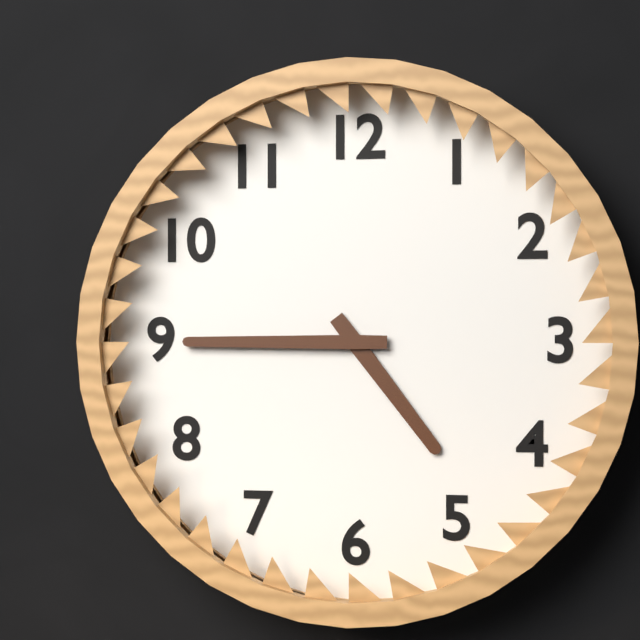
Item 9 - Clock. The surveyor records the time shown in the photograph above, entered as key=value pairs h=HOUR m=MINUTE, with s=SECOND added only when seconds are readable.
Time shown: h=4 m=45
